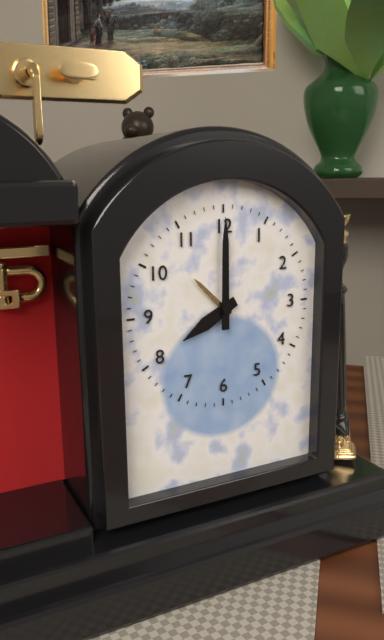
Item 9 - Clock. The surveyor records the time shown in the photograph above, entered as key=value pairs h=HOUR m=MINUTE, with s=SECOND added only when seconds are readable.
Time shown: h=8 m=0
